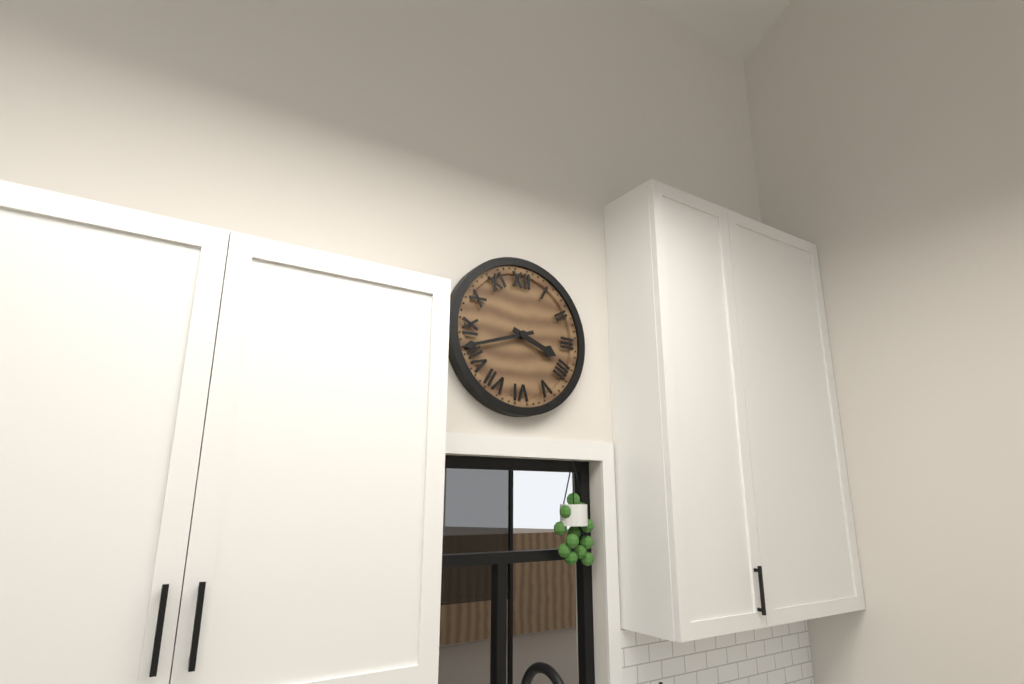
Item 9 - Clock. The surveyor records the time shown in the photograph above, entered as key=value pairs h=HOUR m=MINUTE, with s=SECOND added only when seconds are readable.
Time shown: h=3 m=42
